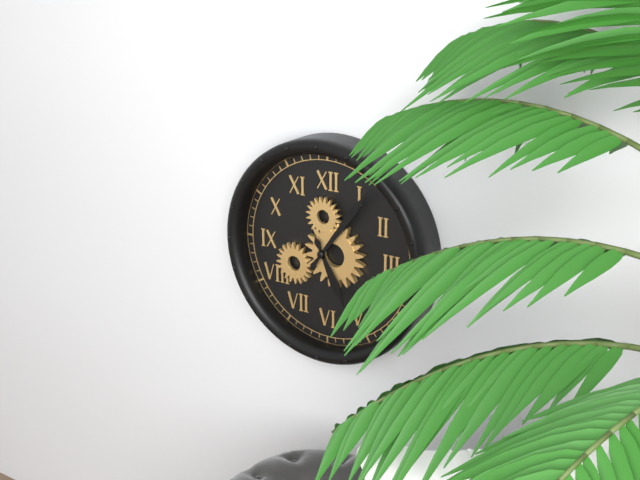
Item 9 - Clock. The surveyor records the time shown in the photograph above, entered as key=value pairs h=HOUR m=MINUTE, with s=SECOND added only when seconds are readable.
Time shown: h=5 m=6
